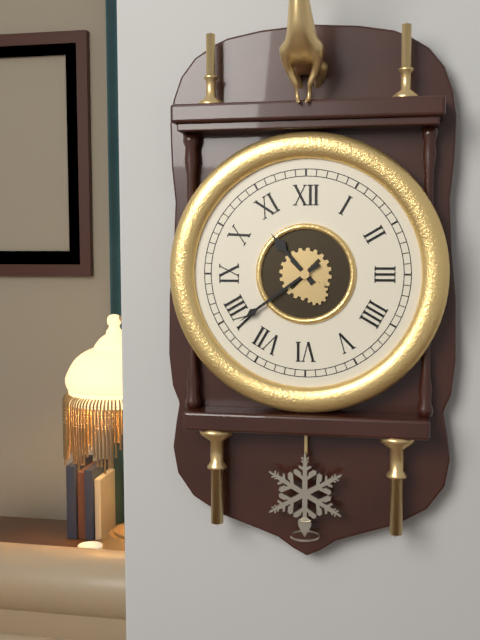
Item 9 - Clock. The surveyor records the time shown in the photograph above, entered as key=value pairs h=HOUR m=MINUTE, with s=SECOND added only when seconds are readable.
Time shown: h=10 m=39
